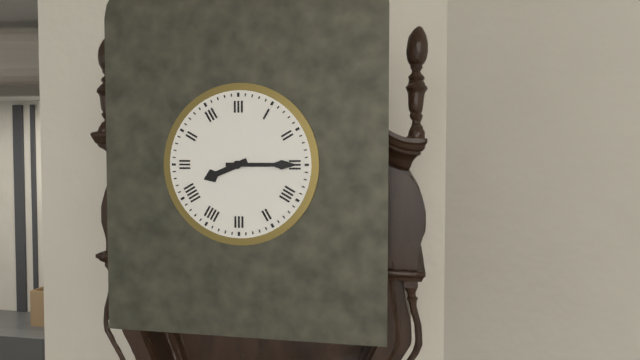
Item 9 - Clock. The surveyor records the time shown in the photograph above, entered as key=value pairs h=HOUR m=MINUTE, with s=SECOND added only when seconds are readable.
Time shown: h=8 m=15
